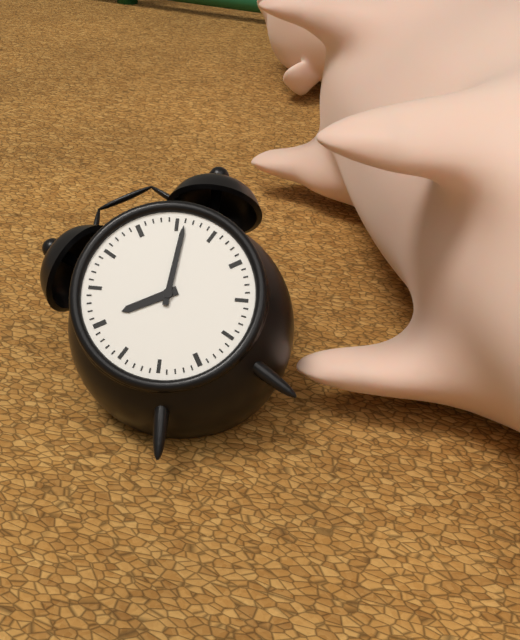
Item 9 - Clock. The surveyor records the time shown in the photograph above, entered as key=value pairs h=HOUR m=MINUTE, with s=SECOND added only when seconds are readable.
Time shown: h=9 m=6
